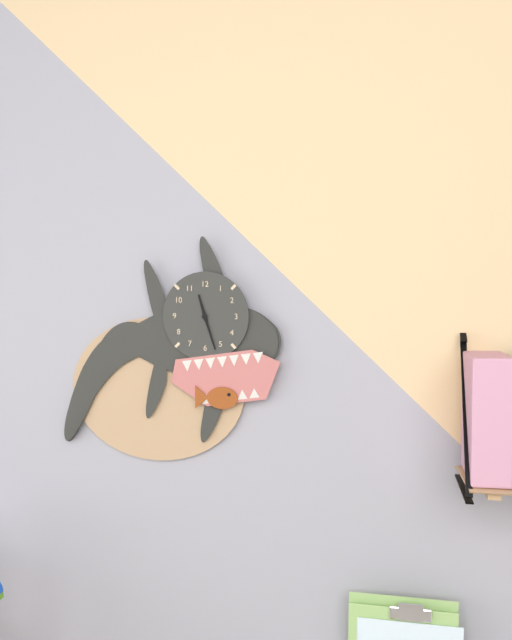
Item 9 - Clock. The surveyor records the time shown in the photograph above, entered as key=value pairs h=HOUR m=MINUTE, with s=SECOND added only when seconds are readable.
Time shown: h=11 m=27
